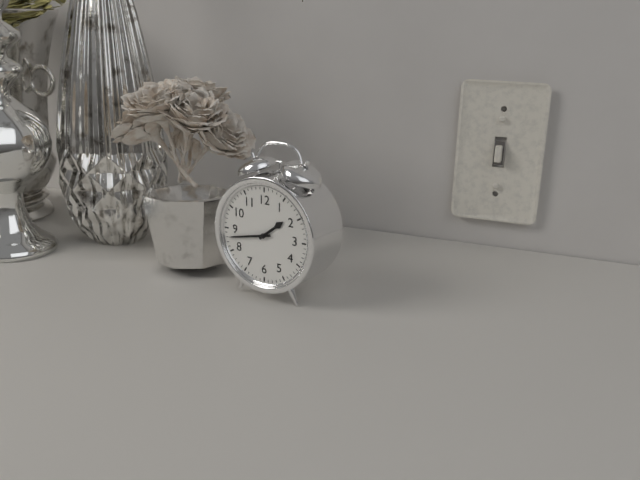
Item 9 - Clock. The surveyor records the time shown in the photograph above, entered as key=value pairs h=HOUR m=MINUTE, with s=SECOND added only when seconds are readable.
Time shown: h=1 m=43
